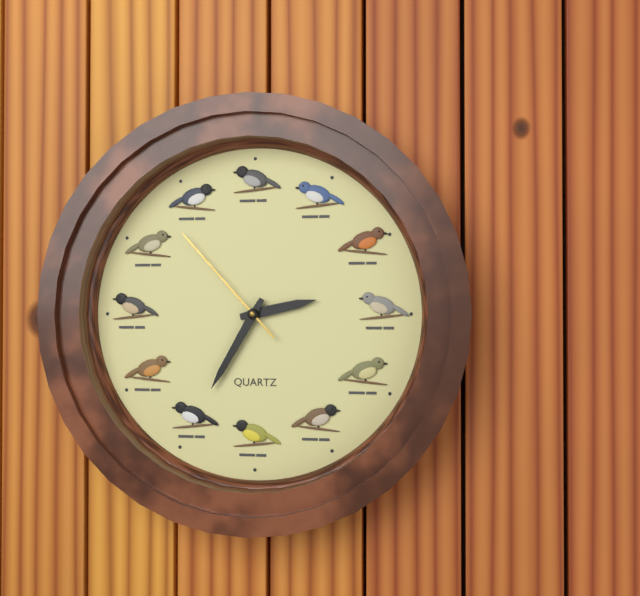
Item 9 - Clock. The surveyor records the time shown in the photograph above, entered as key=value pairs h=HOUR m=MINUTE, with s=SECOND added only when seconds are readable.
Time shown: h=2 m=35 s=53
